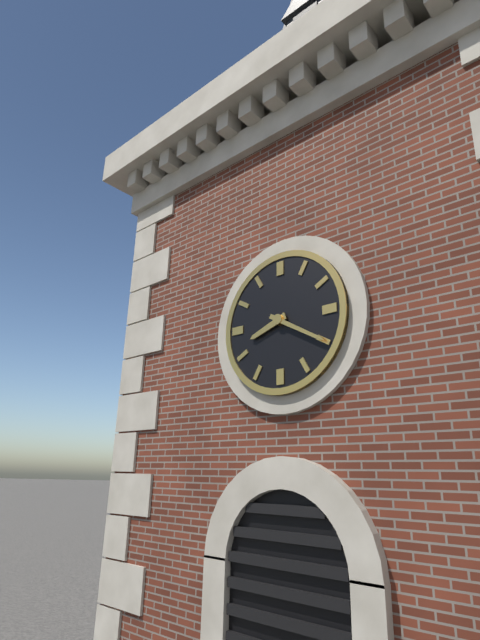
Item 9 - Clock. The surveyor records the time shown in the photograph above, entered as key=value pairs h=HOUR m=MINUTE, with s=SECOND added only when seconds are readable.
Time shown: h=8 m=20
